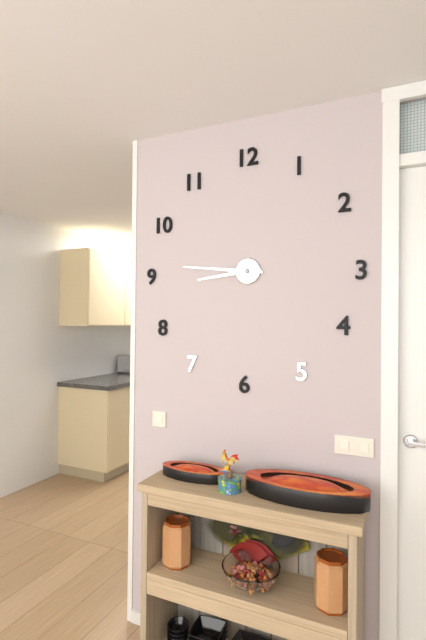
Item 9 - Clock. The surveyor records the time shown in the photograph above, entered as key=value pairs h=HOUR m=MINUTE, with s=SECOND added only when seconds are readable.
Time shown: h=8 m=46
